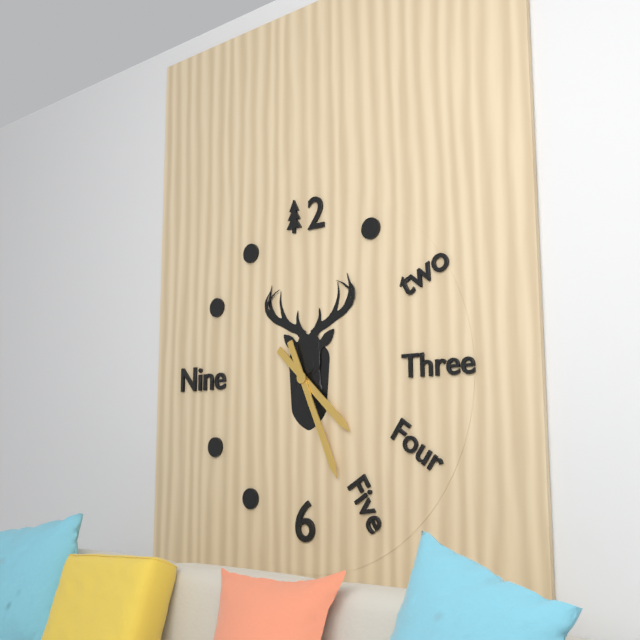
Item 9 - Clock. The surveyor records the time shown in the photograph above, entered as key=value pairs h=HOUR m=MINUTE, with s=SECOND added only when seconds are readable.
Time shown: h=4 m=26
